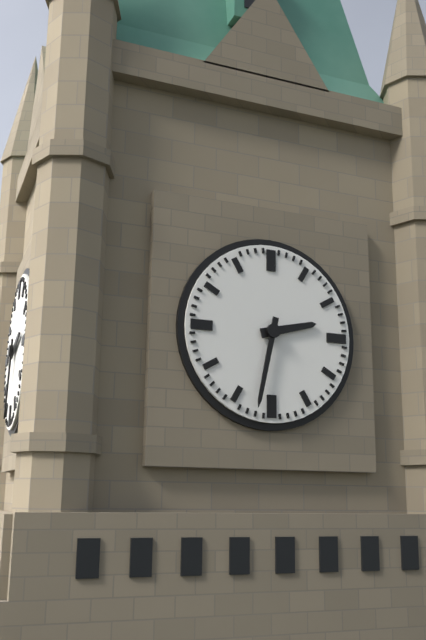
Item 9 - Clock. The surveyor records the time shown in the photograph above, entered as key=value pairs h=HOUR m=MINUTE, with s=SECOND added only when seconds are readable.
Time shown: h=2 m=32
